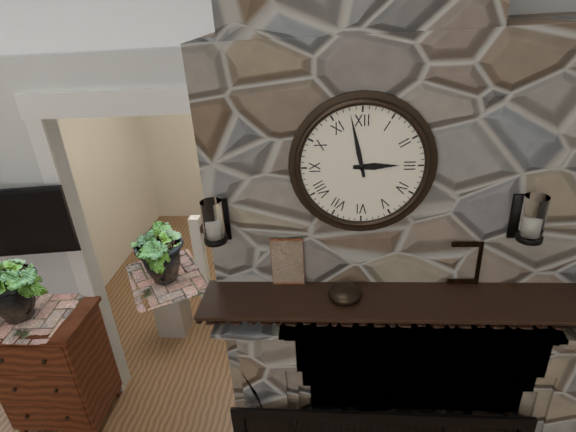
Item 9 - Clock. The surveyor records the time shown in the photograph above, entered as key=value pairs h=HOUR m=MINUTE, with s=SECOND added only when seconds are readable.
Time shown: h=2 m=58
